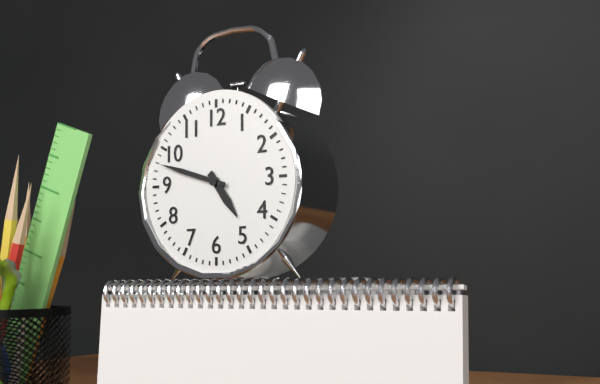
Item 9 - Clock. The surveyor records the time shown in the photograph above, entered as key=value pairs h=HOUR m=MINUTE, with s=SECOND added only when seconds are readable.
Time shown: h=4 m=48
